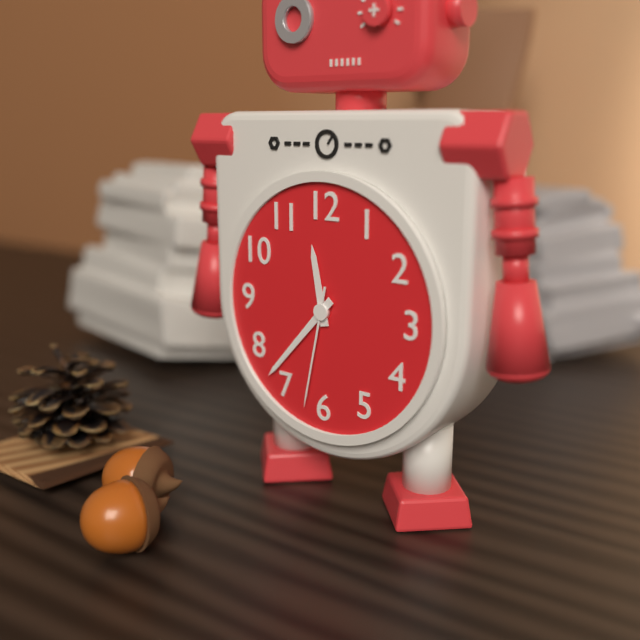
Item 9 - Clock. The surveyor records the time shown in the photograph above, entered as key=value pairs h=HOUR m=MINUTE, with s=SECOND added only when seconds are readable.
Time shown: h=11 m=37 s=32
